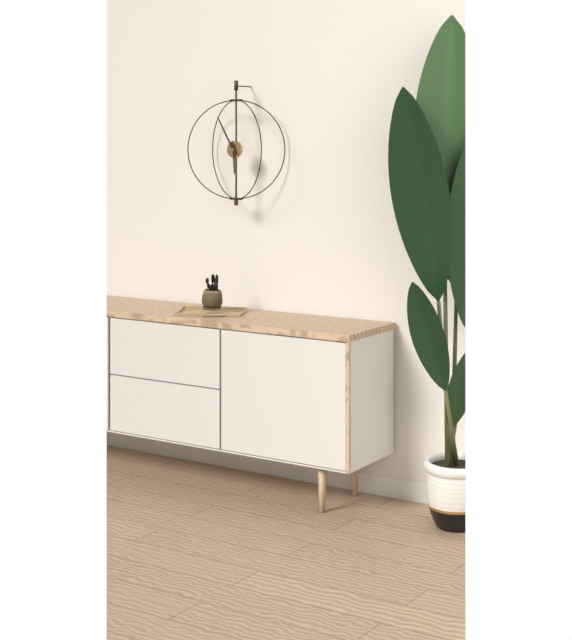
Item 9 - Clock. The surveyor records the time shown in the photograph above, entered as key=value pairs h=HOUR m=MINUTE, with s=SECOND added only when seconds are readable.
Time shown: h=5 m=55
